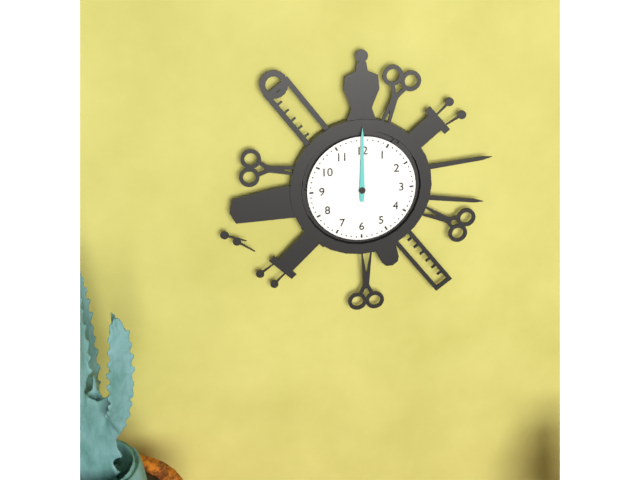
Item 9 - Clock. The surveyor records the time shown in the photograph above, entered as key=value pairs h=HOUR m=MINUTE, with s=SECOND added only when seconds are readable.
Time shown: h=12 m=0
